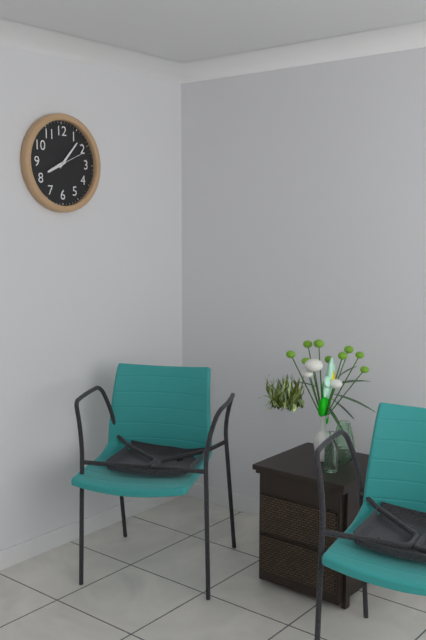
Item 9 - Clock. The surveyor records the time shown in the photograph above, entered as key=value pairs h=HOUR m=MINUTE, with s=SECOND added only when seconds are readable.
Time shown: h=8 m=7
